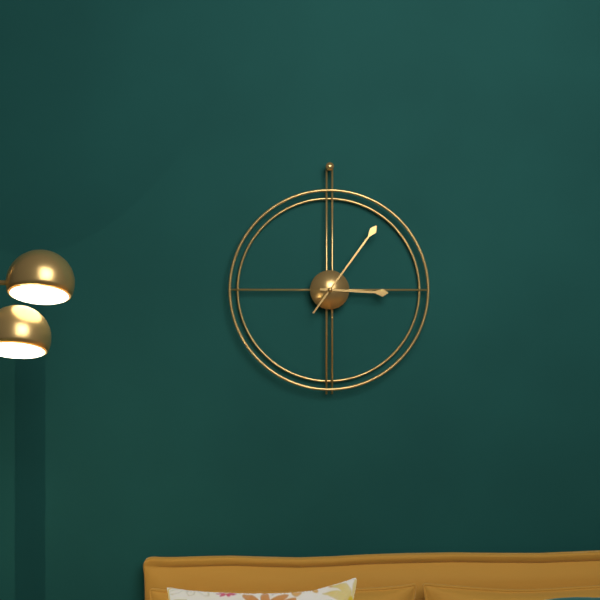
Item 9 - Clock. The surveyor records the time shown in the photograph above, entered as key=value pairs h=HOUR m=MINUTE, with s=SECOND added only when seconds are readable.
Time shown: h=3 m=6
